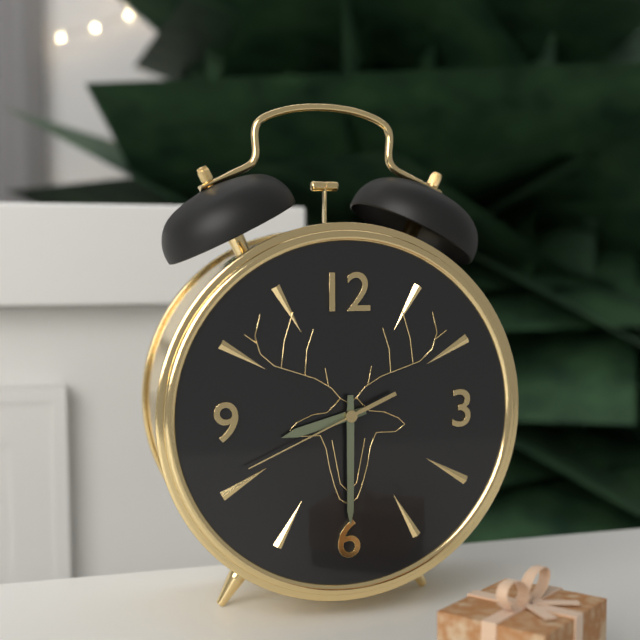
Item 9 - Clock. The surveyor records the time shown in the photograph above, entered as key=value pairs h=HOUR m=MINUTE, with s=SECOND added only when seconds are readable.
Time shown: h=8 m=30 s=41
